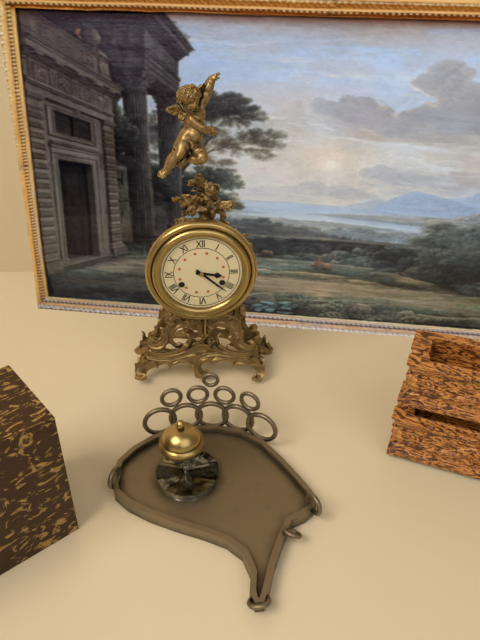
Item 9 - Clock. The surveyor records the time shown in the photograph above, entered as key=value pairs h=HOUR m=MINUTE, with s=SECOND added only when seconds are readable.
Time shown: h=3 m=22
